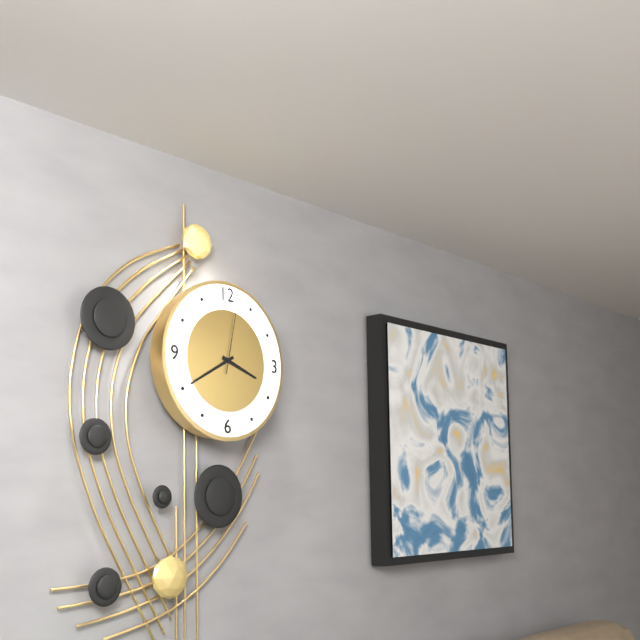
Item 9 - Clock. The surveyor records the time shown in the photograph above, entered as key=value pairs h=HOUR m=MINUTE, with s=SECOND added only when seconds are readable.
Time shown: h=3 m=40 s=2
